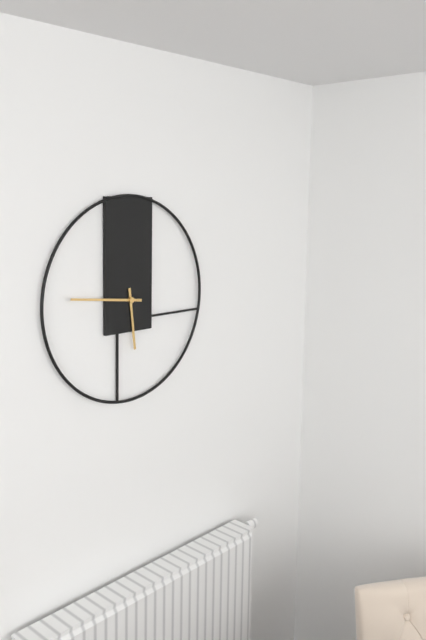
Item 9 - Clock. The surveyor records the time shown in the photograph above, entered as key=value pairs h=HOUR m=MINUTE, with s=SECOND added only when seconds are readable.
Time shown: h=5 m=46
